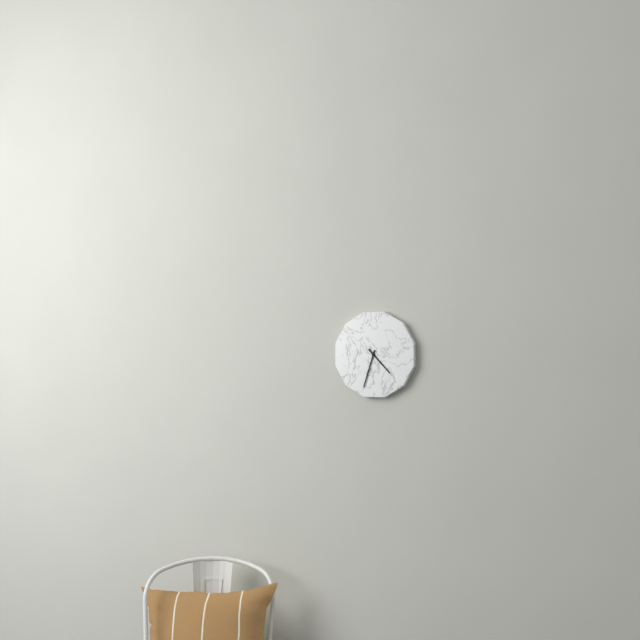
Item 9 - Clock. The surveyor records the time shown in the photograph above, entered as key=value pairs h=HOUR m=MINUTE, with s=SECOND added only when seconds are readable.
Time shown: h=4 m=33
